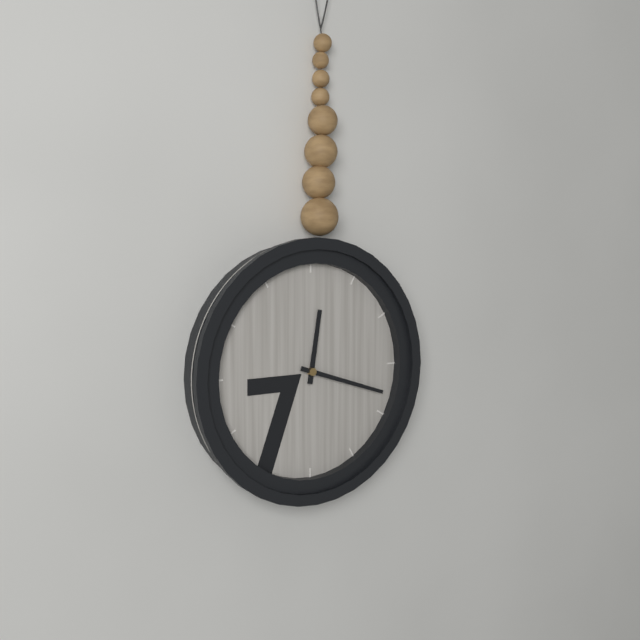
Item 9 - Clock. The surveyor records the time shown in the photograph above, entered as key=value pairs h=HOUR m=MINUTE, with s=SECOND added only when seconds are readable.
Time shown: h=12 m=18
